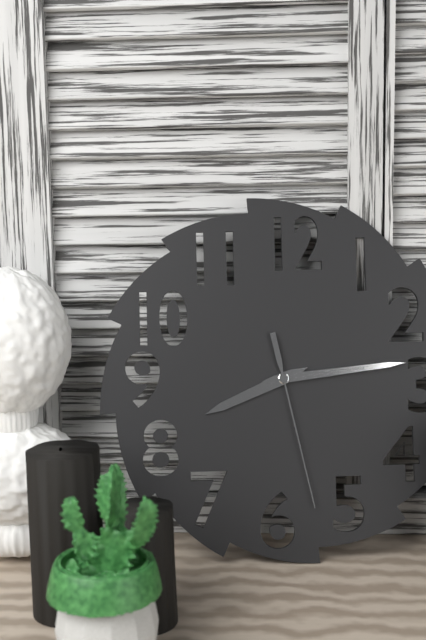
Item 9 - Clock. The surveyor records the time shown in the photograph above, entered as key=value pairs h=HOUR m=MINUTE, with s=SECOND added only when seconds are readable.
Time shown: h=8 m=14 s=28
